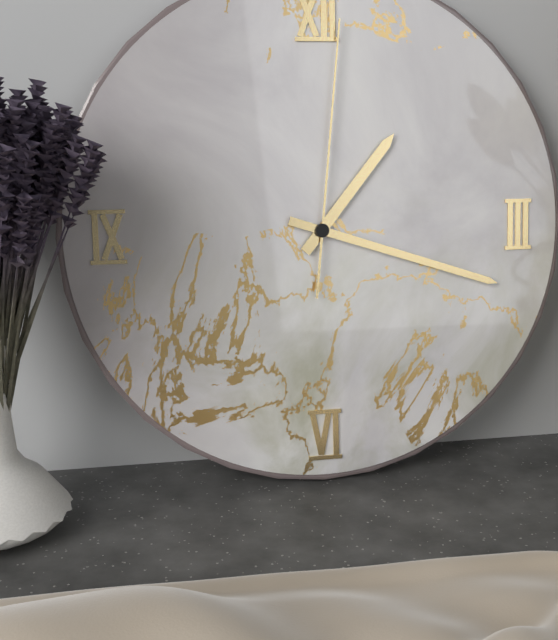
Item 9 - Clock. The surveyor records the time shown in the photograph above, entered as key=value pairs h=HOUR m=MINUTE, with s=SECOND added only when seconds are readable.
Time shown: h=1 m=18 s=1
